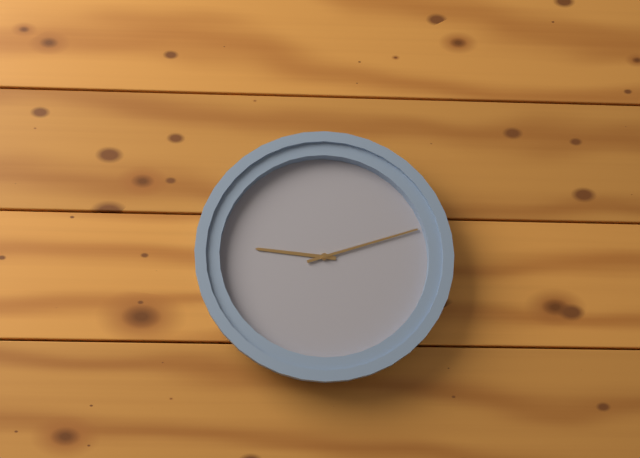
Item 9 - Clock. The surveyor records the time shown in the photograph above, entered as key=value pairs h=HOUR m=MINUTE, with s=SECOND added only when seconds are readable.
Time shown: h=9 m=12
